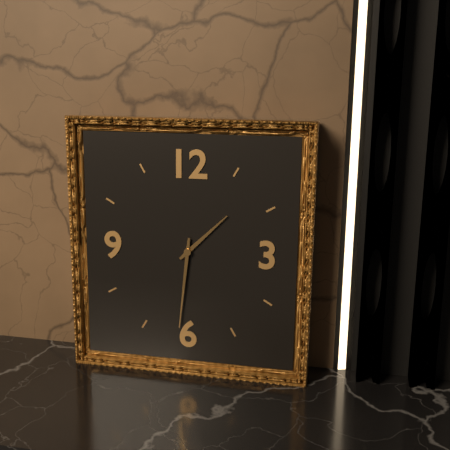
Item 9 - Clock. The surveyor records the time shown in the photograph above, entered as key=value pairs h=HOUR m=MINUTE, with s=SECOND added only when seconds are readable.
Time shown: h=1 m=31
